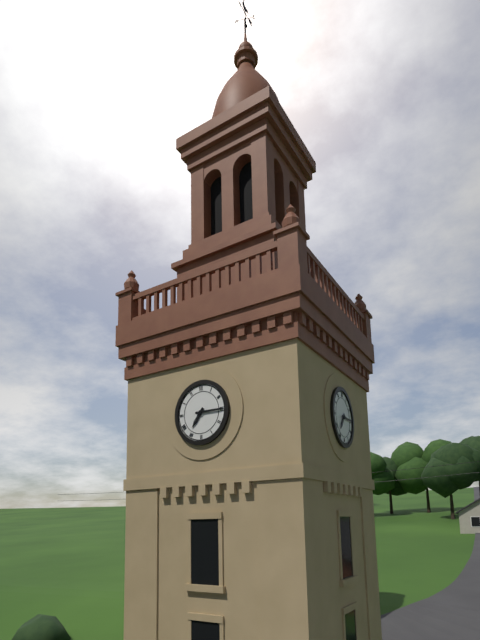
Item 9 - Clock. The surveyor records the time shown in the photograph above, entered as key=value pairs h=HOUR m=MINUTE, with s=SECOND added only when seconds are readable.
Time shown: h=7 m=15
